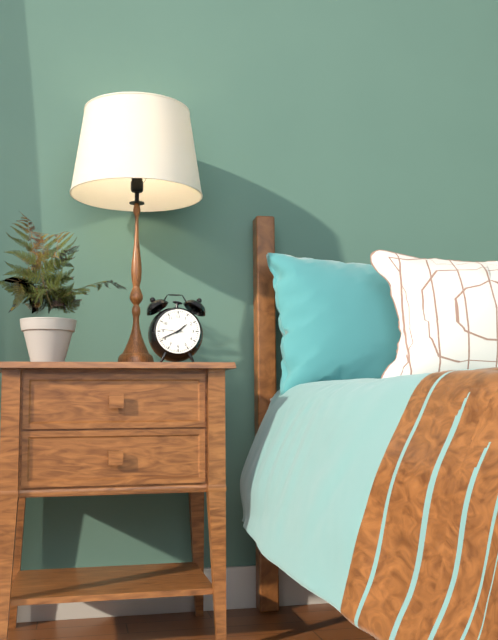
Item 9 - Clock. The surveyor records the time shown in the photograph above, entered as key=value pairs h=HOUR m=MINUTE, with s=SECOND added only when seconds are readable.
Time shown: h=1 m=41
